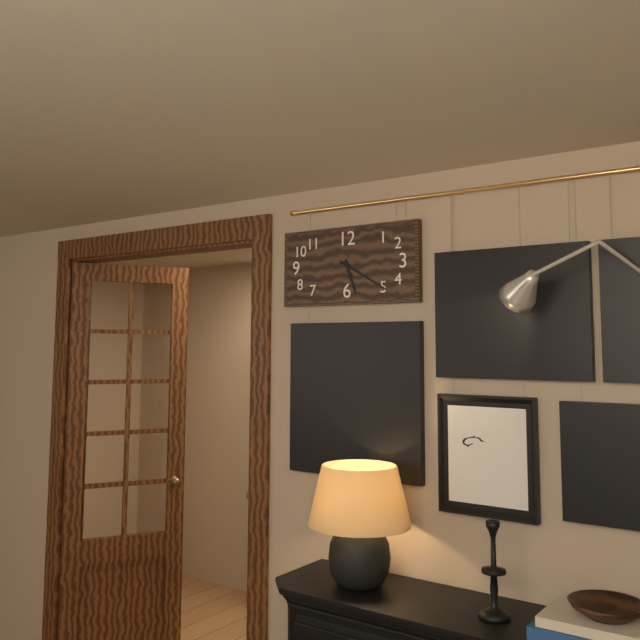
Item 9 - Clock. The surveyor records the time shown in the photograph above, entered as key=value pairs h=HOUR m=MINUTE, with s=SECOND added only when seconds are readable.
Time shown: h=5 m=20
